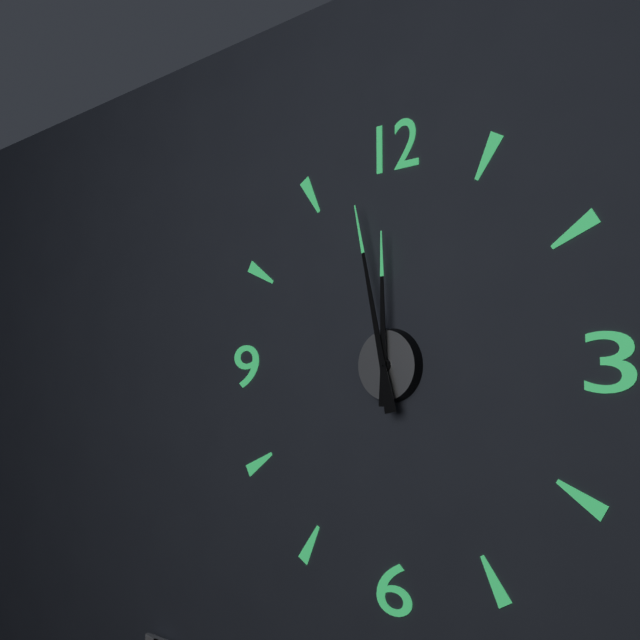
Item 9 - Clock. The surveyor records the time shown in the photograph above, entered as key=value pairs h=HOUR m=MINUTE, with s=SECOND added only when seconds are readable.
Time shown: h=11 m=58
